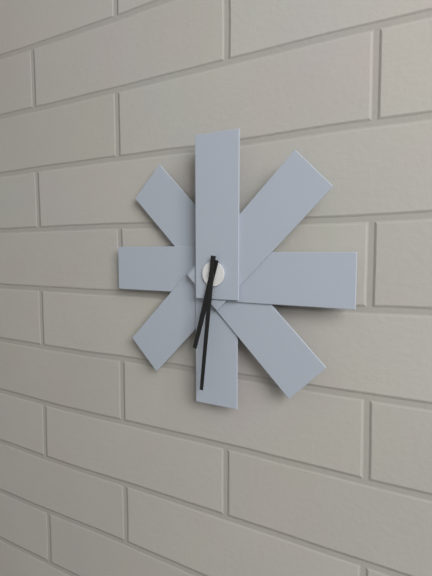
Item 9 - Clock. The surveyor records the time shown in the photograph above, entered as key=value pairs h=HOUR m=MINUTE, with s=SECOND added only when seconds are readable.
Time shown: h=6 m=31
